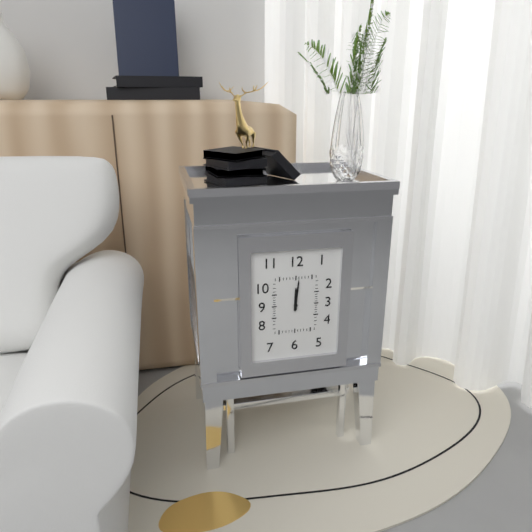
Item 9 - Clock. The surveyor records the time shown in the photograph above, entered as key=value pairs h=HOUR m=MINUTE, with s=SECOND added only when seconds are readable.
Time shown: h=12 m=1
